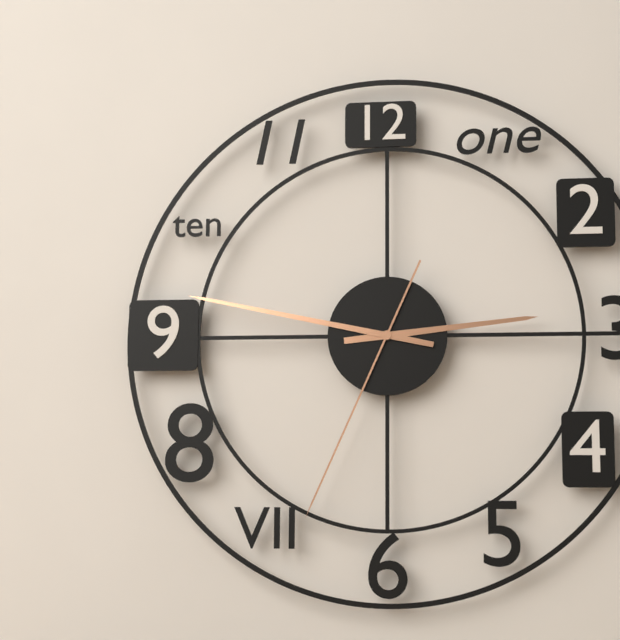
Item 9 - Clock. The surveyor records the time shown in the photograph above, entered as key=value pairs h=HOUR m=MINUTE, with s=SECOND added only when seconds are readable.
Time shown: h=2 m=47 s=34
